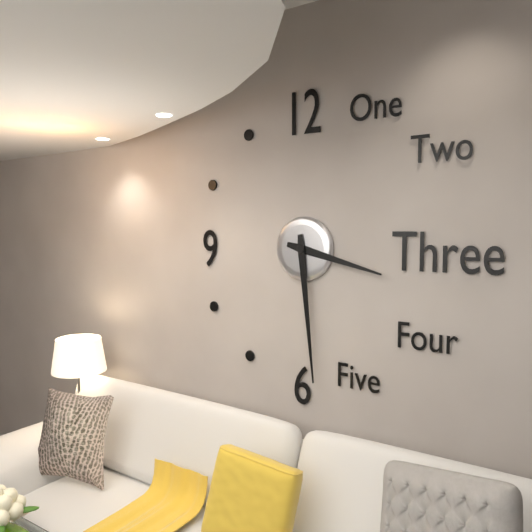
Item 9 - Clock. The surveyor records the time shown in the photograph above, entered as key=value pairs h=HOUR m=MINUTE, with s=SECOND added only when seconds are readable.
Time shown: h=3 m=29
